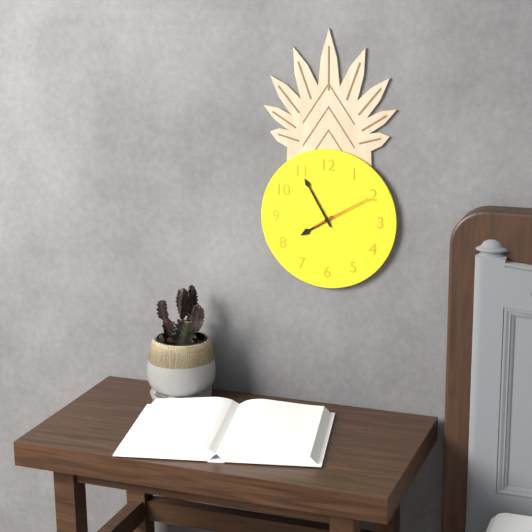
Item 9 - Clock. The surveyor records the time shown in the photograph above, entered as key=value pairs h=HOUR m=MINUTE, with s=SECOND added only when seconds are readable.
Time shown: h=7 m=55 s=10
